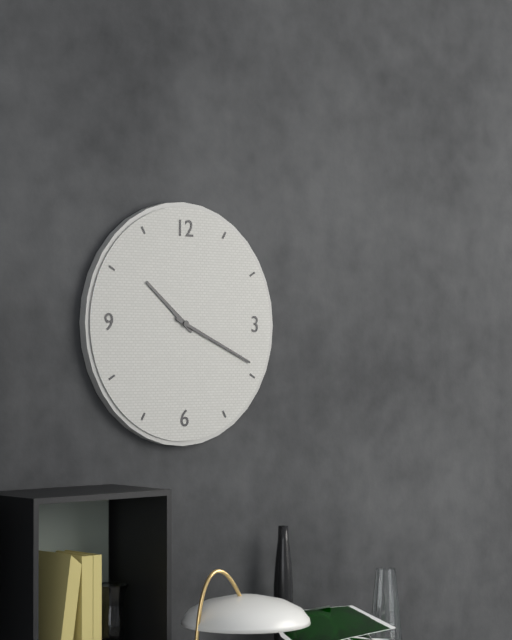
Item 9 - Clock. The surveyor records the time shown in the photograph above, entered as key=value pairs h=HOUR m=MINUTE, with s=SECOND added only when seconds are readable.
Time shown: h=10 m=19
